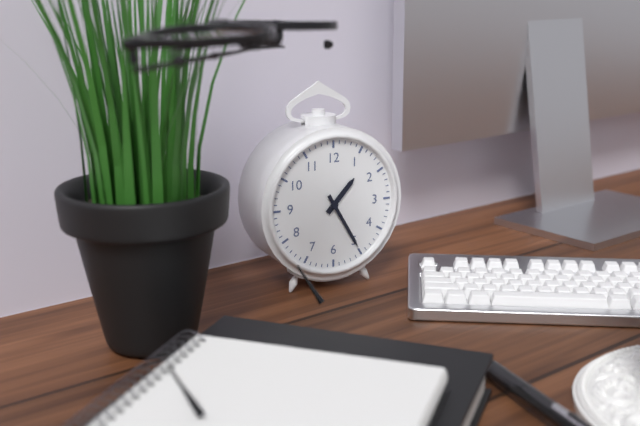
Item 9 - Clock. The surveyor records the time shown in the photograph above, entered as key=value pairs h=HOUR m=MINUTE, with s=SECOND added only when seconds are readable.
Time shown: h=1 m=25
